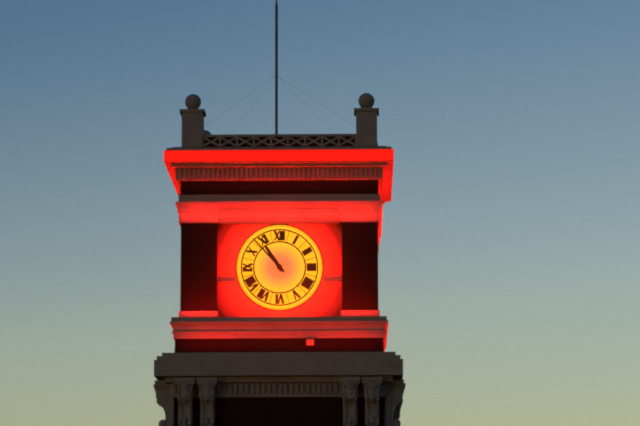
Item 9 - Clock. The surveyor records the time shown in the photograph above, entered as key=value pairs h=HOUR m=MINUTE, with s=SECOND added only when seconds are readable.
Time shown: h=10 m=53
